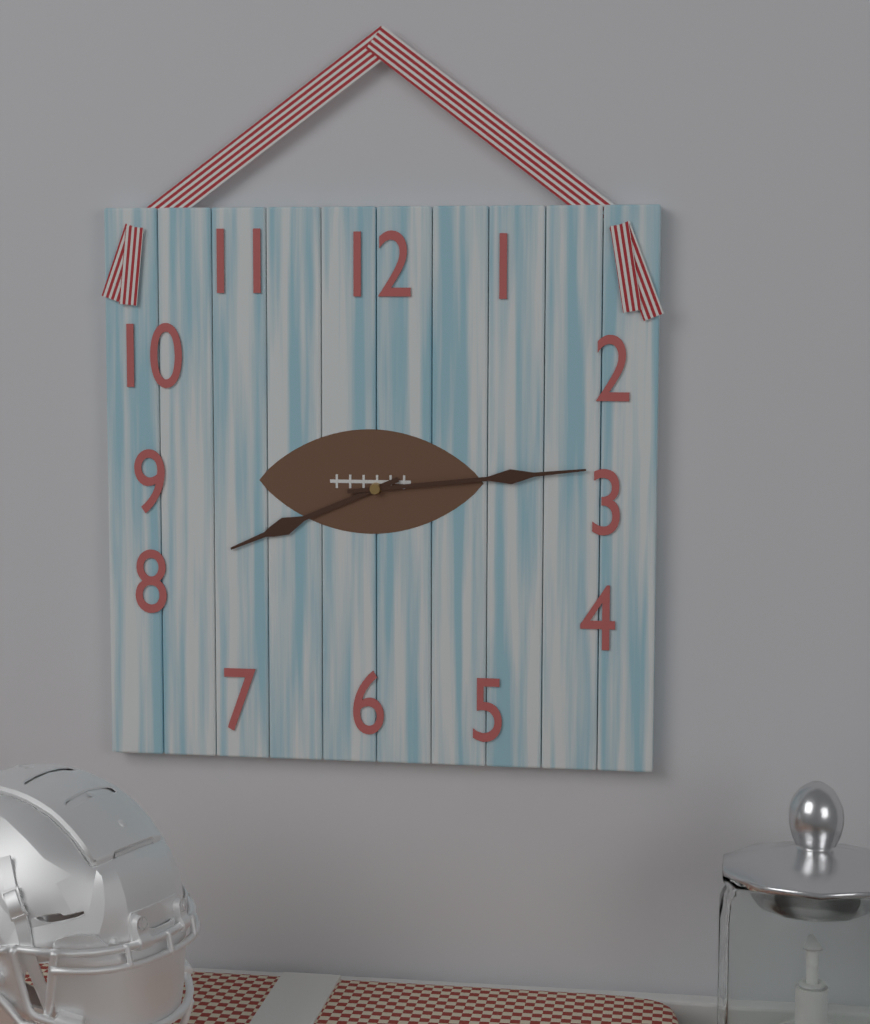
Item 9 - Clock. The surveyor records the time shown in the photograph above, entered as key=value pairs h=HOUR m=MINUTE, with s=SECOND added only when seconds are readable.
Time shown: h=8 m=14
